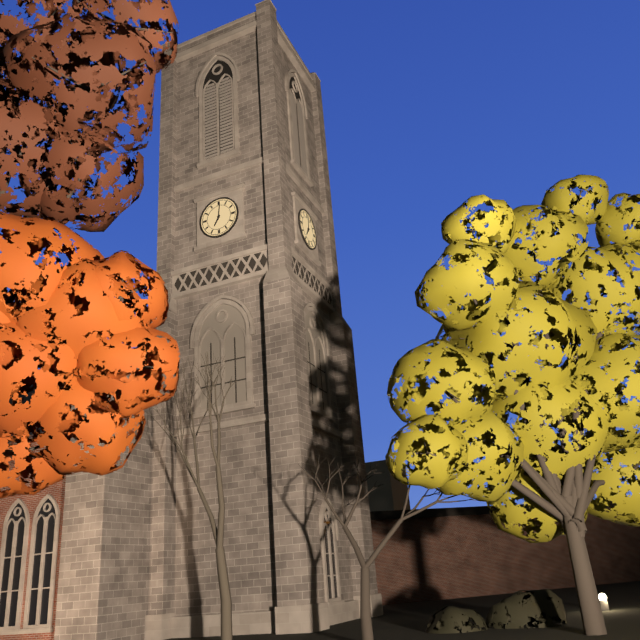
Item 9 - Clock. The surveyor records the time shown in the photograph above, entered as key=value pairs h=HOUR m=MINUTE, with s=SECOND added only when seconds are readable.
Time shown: h=7 m=1
